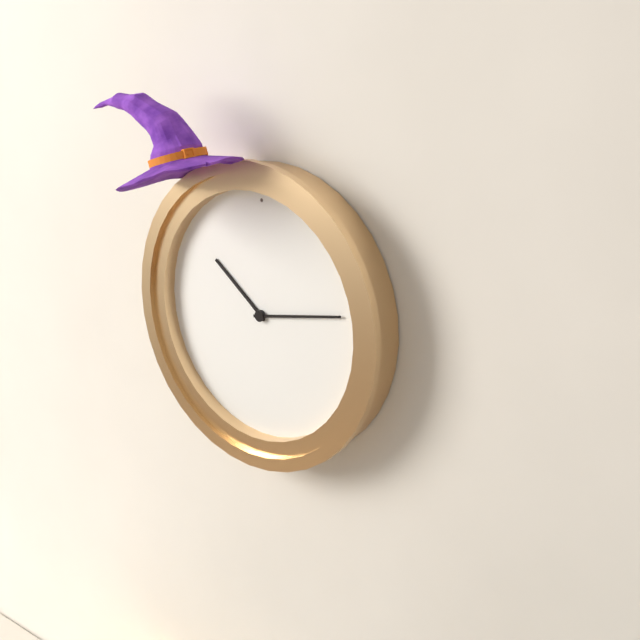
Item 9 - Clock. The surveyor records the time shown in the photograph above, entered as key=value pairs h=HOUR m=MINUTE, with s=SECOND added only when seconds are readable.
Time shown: h=10 m=13
